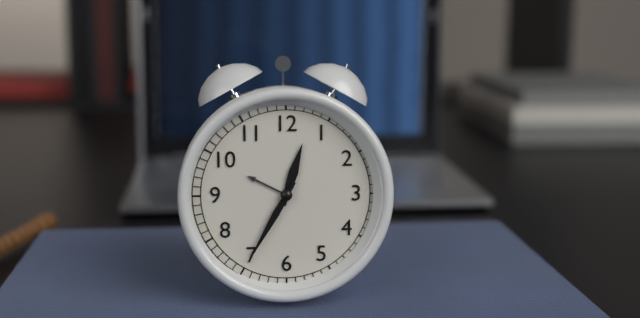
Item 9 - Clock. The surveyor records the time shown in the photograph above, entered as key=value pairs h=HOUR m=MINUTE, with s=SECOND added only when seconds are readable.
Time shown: h=12 m=35
